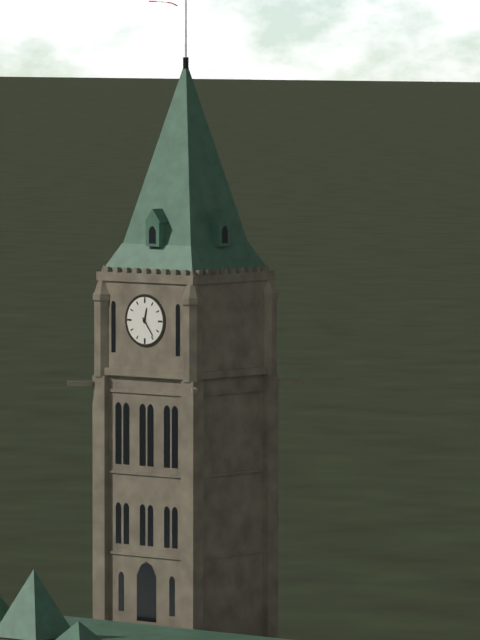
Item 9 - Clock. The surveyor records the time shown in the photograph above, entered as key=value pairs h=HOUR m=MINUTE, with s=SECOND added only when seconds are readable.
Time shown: h=12 m=24
